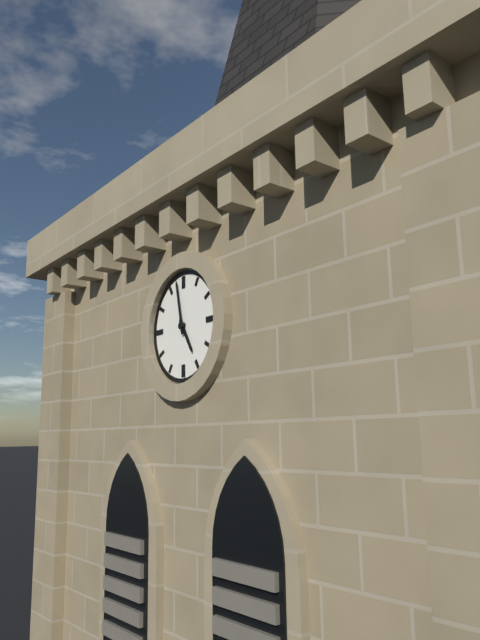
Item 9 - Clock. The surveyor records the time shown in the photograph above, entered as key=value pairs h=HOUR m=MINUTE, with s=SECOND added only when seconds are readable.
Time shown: h=4 m=58
